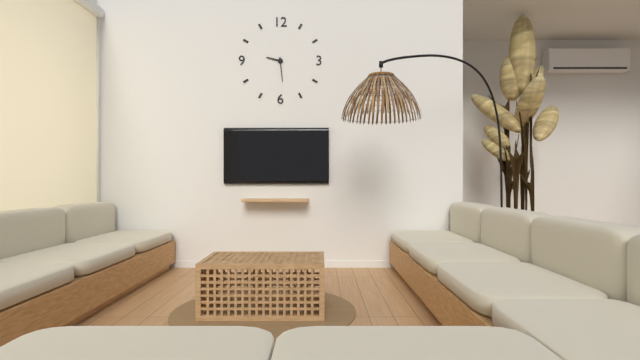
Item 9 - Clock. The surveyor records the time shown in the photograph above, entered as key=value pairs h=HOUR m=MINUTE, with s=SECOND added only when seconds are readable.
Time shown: h=9 m=29
